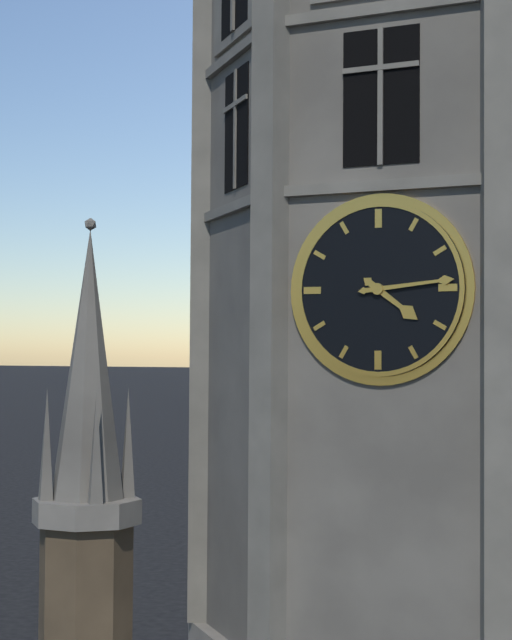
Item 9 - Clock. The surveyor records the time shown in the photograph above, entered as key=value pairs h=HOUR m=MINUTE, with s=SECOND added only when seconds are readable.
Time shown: h=4 m=14
